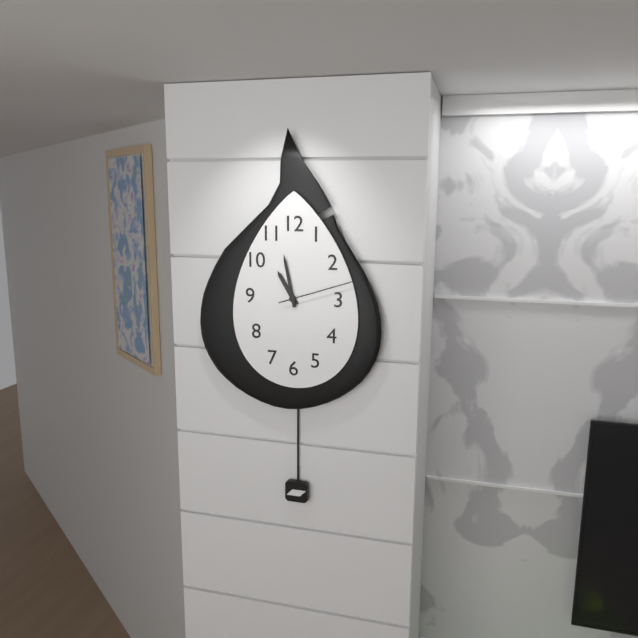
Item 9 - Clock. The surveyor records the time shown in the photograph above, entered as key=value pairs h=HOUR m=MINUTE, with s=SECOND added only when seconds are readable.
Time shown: h=10 m=58 s=12
